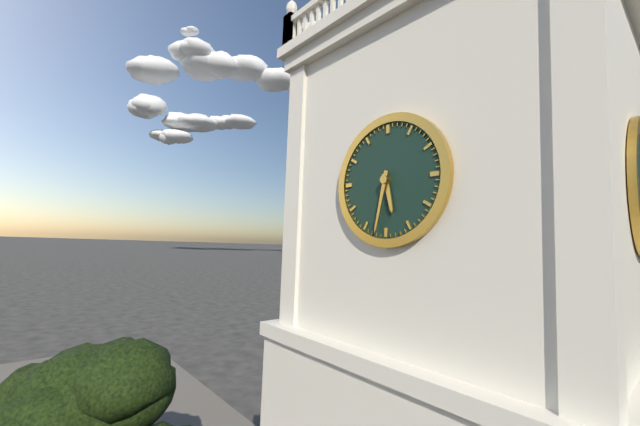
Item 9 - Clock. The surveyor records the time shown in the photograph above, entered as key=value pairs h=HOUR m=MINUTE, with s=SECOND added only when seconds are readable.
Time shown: h=5 m=32
